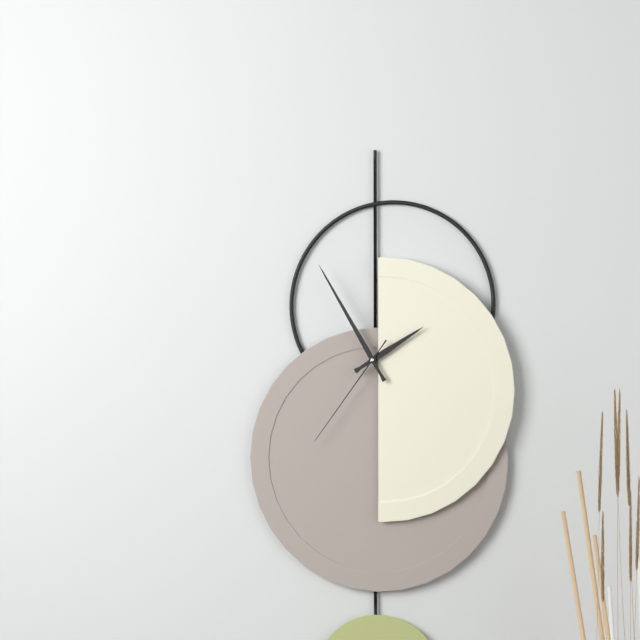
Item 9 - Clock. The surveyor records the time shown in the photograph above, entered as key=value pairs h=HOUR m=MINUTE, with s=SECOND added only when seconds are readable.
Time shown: h=1 m=55 s=36
